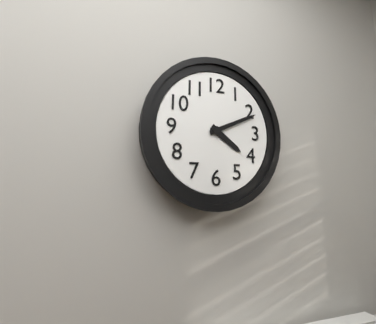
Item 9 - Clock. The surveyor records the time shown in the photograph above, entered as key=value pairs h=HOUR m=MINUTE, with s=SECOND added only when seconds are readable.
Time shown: h=4 m=11
